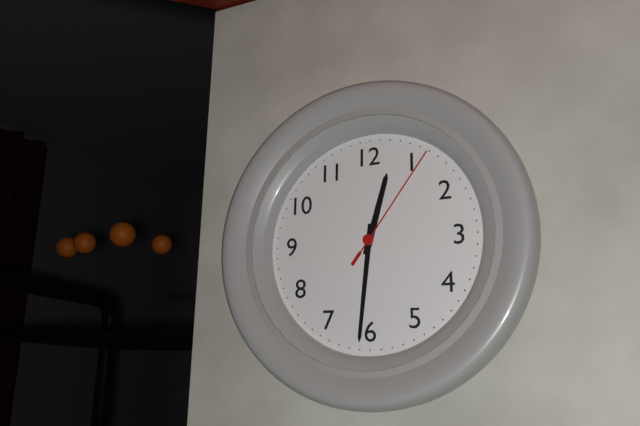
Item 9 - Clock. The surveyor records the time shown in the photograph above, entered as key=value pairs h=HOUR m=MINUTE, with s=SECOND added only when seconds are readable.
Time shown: h=12 m=31 s=6
